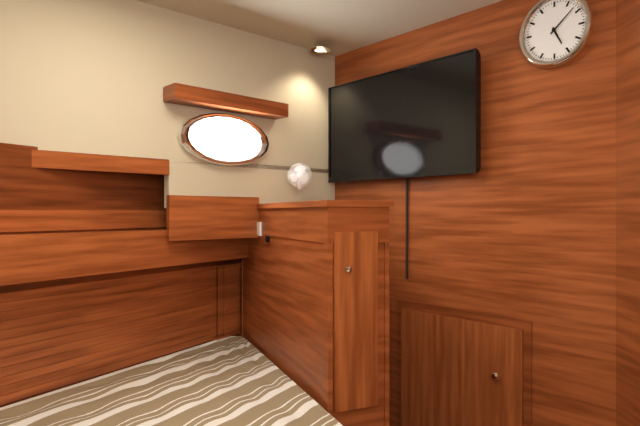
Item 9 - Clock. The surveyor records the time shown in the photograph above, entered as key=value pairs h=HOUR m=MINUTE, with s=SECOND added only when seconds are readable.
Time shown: h=5 m=8
